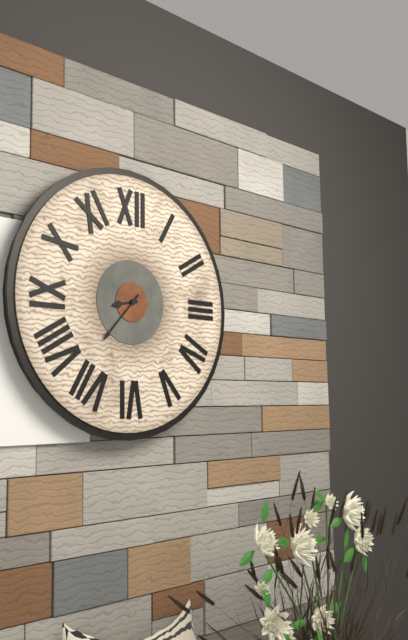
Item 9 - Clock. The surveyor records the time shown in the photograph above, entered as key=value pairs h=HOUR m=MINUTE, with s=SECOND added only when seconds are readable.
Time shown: h=8 m=37
